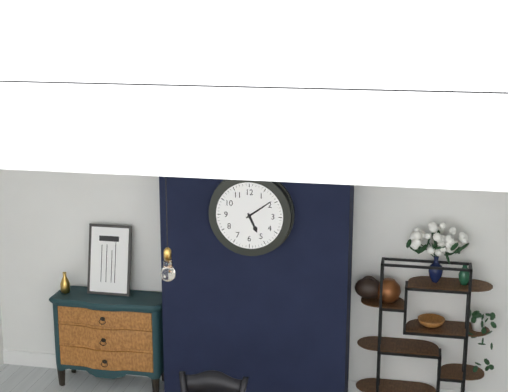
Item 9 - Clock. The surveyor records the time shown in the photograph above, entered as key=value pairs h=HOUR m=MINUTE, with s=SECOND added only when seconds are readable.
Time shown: h=5 m=9
